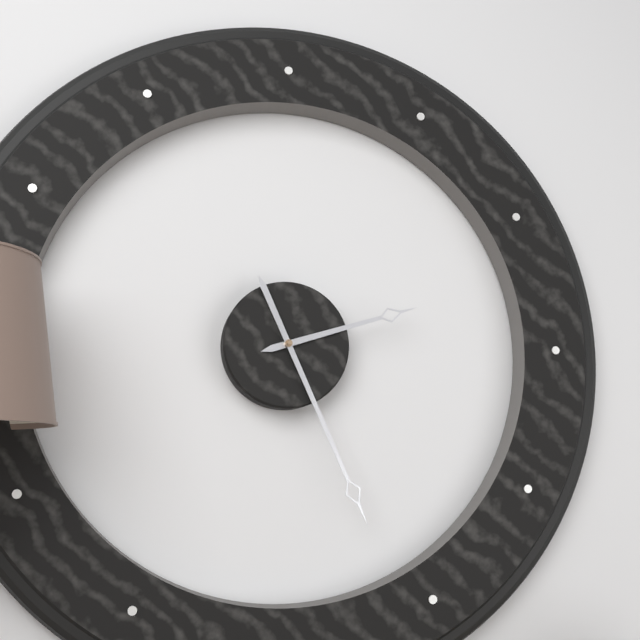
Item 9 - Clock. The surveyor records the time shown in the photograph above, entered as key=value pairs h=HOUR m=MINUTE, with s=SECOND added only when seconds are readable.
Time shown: h=2 m=26
